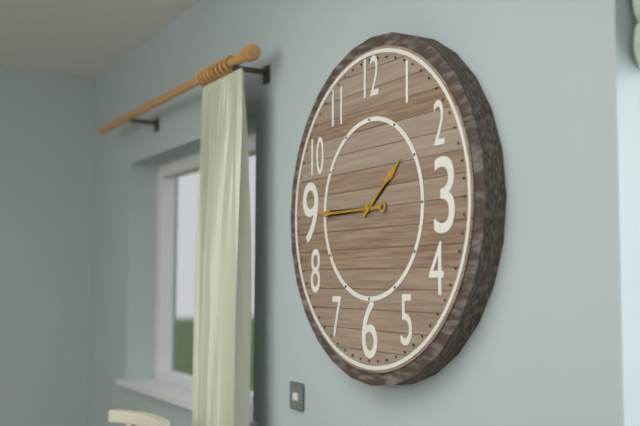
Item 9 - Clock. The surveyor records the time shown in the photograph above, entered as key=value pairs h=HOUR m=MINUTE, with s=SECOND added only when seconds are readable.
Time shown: h=1 m=45
